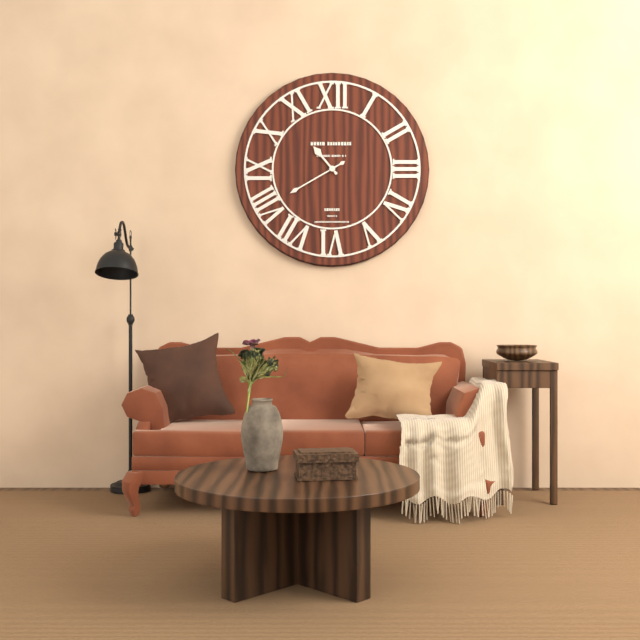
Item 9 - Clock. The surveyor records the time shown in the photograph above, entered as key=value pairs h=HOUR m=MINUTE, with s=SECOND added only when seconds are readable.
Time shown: h=10 m=40
